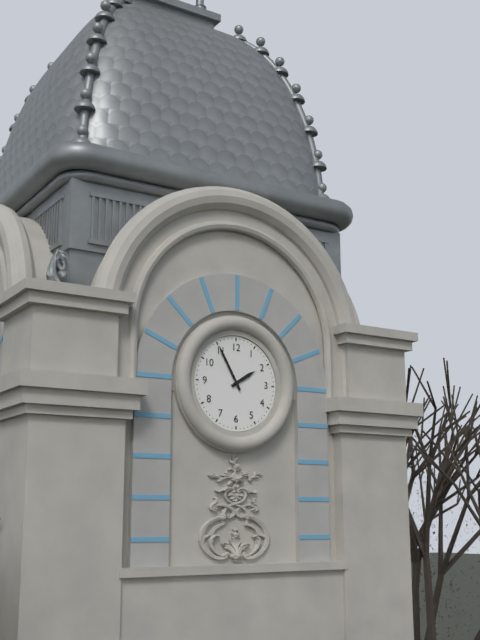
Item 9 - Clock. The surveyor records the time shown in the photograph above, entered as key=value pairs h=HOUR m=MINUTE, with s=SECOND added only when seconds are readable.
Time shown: h=1 m=55
